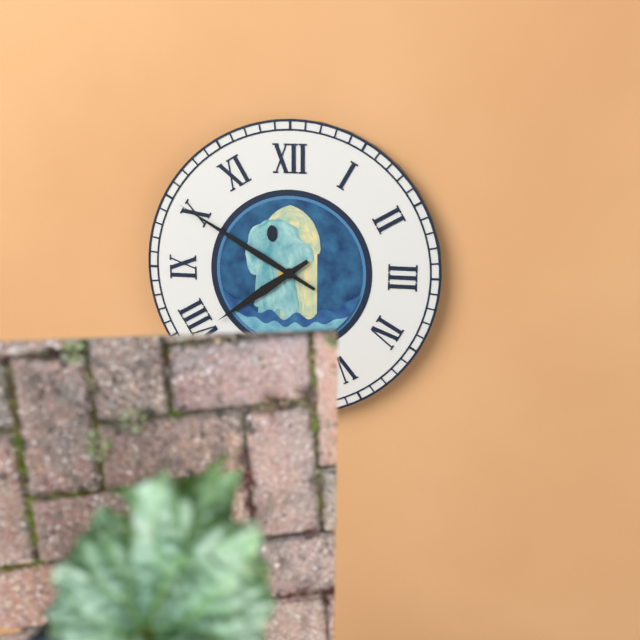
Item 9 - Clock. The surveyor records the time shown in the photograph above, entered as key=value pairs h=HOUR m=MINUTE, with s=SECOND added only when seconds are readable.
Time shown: h=7 m=50
